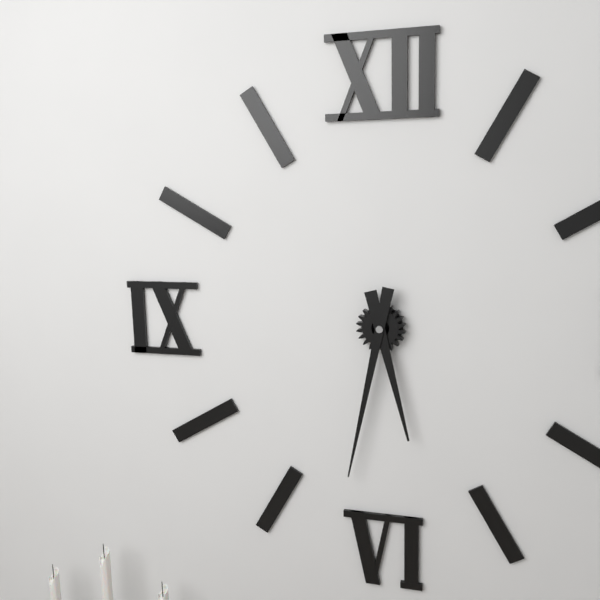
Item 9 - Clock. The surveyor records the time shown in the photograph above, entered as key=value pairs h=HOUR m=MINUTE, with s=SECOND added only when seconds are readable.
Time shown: h=5 m=32
